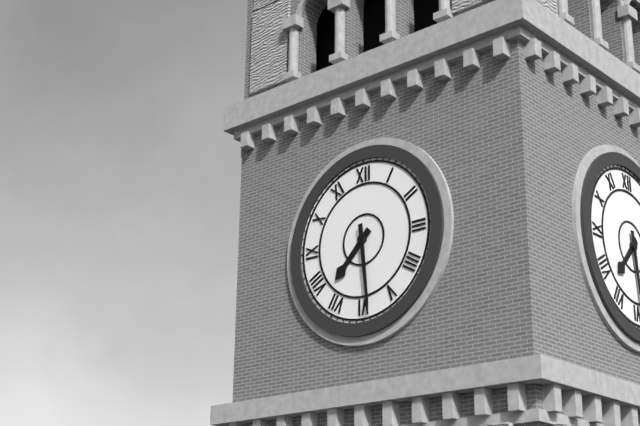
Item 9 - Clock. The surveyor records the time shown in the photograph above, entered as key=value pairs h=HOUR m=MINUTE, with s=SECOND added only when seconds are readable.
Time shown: h=7 m=29
